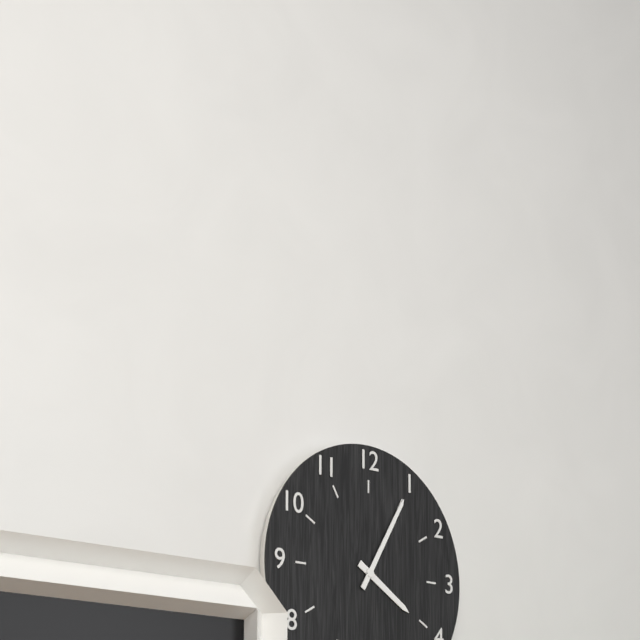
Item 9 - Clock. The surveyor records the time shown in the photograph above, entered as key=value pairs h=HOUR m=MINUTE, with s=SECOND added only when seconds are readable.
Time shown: h=4 m=5
